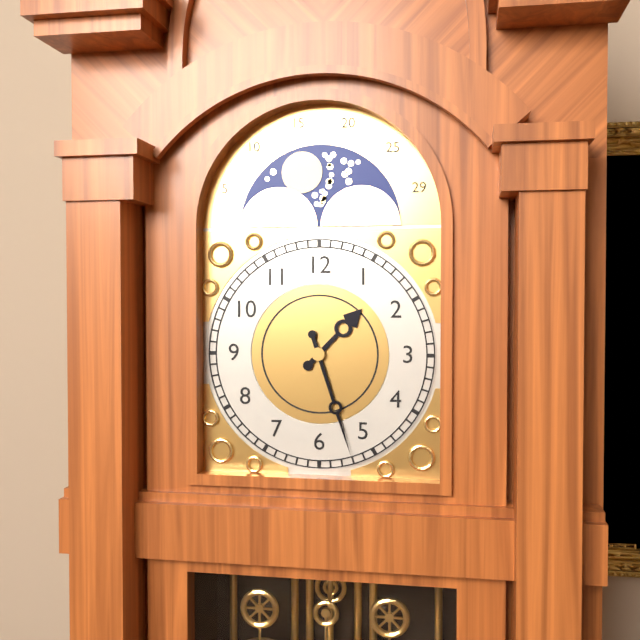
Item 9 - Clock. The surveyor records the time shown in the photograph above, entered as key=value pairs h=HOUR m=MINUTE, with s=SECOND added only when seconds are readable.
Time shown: h=1 m=27
